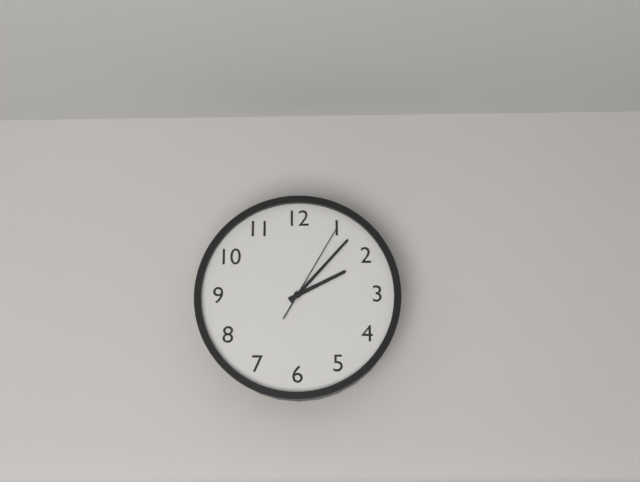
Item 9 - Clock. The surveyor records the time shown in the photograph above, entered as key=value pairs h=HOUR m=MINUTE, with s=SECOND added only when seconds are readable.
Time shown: h=2 m=7 s=5
